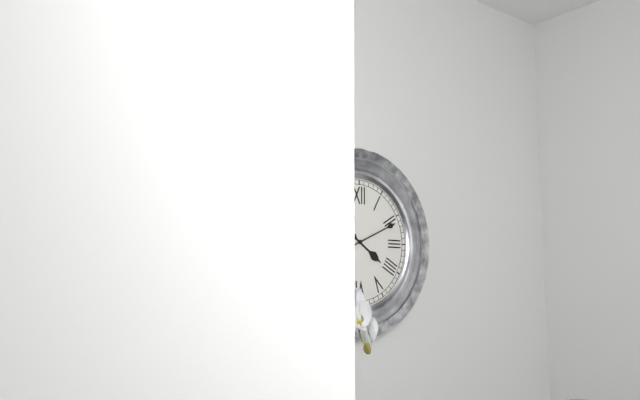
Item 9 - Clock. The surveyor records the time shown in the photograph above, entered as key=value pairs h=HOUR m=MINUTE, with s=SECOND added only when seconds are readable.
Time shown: h=4 m=11
